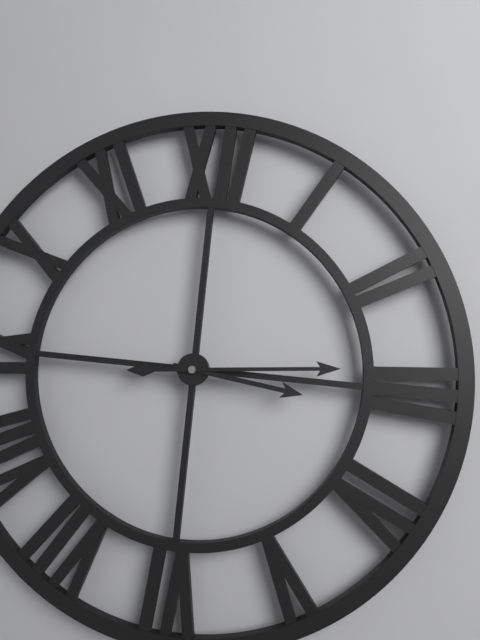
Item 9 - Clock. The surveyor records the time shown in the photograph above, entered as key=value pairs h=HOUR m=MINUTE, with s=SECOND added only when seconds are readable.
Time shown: h=3 m=14
